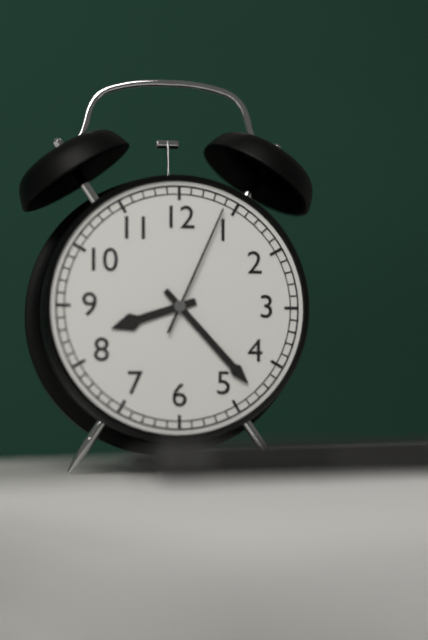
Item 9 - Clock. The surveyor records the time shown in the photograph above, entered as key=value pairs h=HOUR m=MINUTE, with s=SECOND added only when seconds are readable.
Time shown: h=8 m=23 s=4
